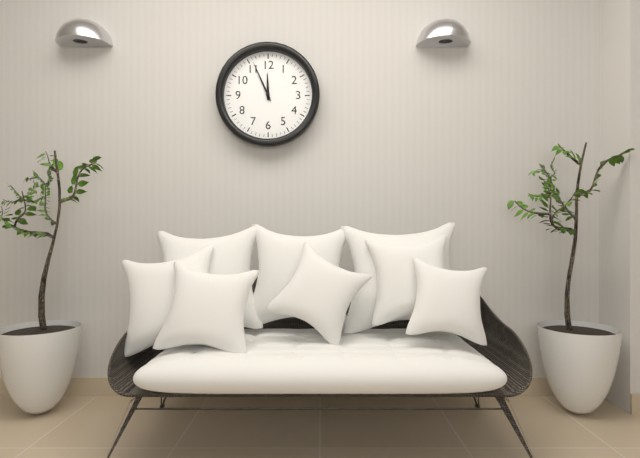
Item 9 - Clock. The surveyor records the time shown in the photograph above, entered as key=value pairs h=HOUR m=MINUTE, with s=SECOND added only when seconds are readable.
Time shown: h=11 m=56
